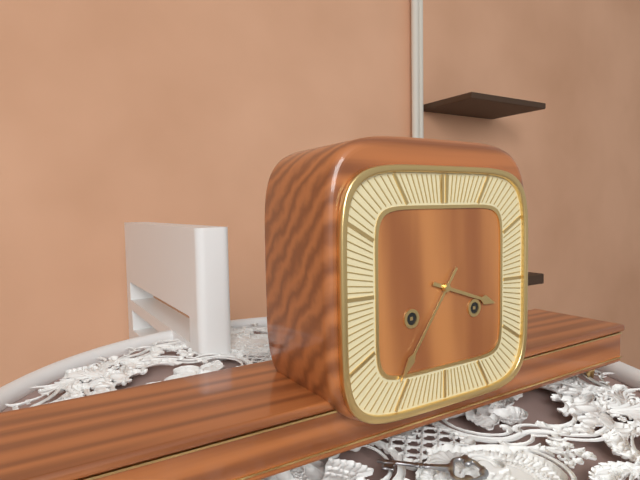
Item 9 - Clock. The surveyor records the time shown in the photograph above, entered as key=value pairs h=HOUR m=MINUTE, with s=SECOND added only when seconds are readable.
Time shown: h=3 m=36
